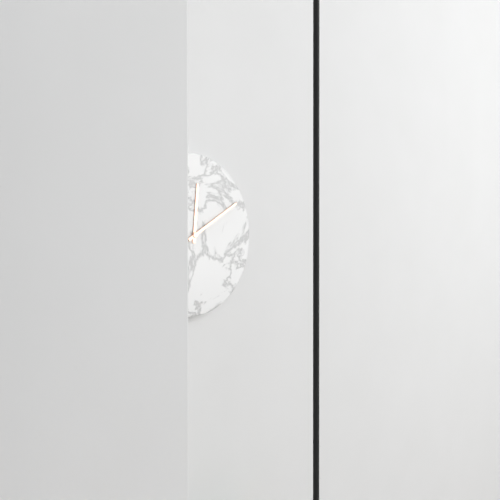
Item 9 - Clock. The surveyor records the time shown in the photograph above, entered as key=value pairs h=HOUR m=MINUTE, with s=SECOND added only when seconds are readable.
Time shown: h=12 m=10
